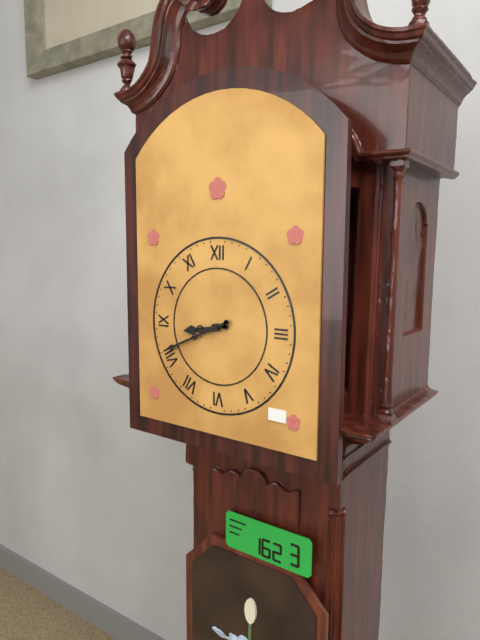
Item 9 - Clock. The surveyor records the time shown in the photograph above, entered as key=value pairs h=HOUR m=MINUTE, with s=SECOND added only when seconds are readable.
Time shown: h=8 m=41
